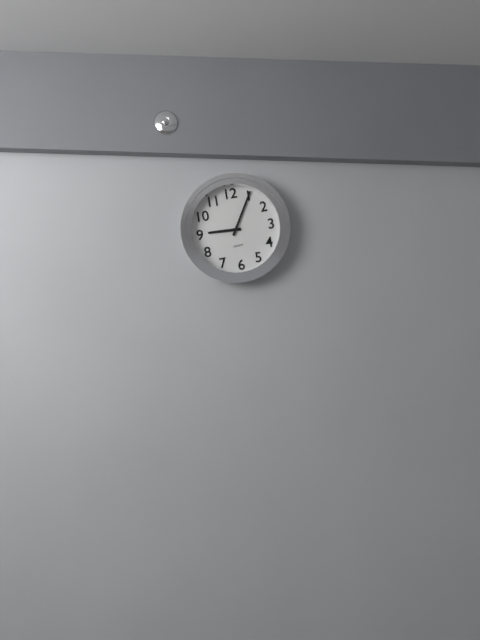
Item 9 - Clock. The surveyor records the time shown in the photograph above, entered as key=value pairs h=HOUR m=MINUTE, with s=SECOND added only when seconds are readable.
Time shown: h=9 m=5
